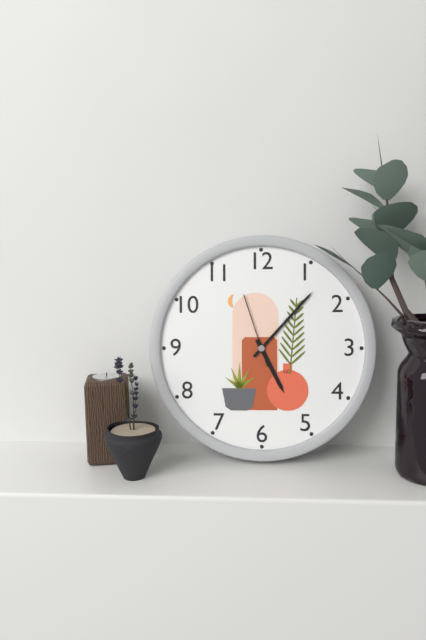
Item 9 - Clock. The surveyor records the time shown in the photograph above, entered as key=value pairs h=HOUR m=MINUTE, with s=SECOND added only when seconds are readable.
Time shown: h=5 m=7 s=57
